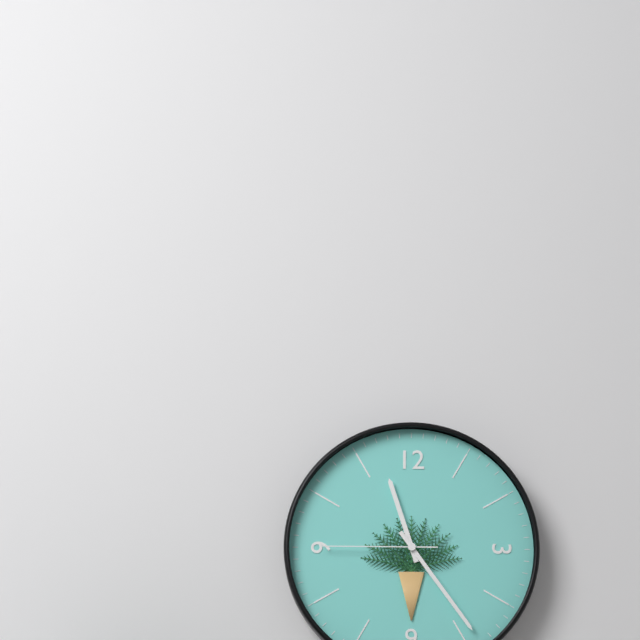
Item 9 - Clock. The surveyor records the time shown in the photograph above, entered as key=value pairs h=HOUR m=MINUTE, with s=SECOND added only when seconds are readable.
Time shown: h=11 m=24 s=45
